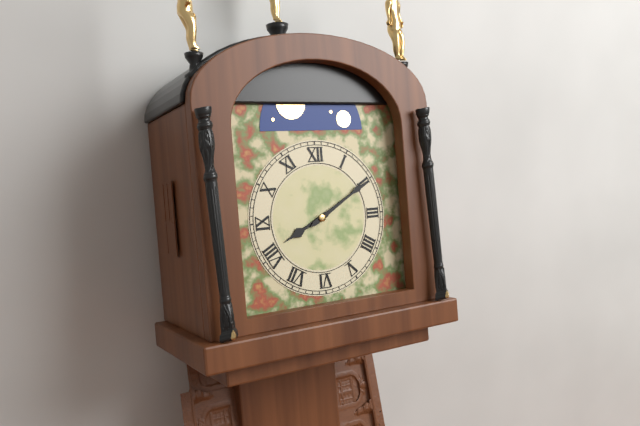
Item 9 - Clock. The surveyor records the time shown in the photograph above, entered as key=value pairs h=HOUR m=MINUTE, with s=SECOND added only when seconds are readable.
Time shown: h=8 m=10
